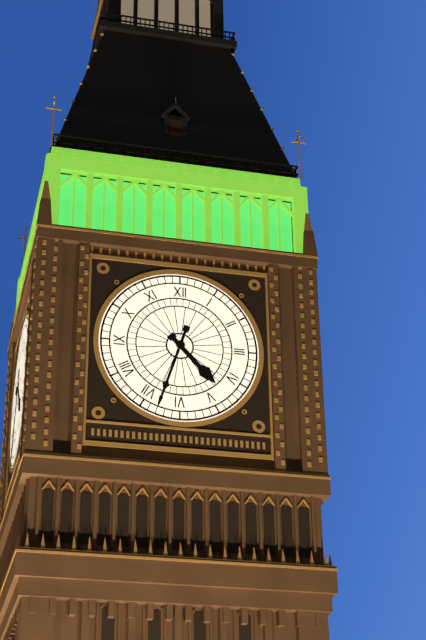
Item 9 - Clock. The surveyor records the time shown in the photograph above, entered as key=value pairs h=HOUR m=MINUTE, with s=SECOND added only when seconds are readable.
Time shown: h=4 m=33
